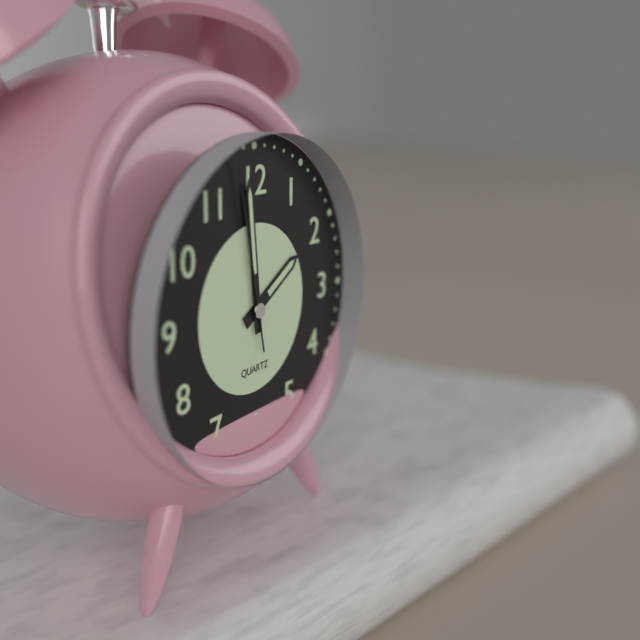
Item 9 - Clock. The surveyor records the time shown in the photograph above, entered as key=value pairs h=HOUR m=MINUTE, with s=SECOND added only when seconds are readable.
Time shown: h=1 m=59 s=58
